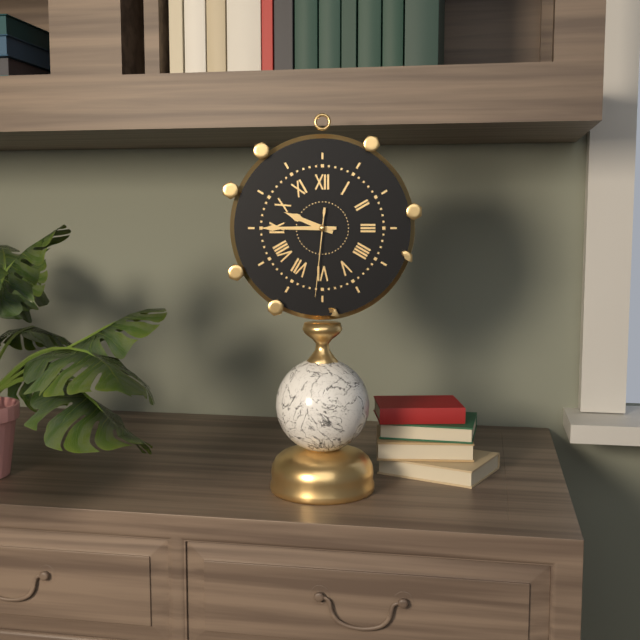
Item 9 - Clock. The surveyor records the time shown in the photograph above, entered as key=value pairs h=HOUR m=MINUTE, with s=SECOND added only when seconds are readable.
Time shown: h=9 m=45 s=31
